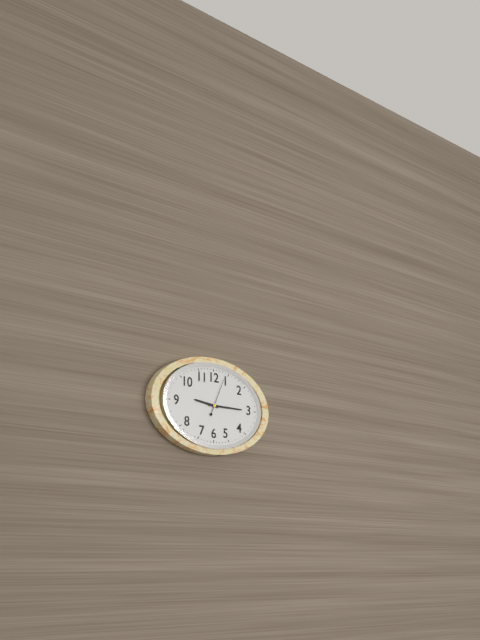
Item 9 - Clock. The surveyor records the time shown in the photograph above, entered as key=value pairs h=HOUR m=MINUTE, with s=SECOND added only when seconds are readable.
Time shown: h=9 m=15
